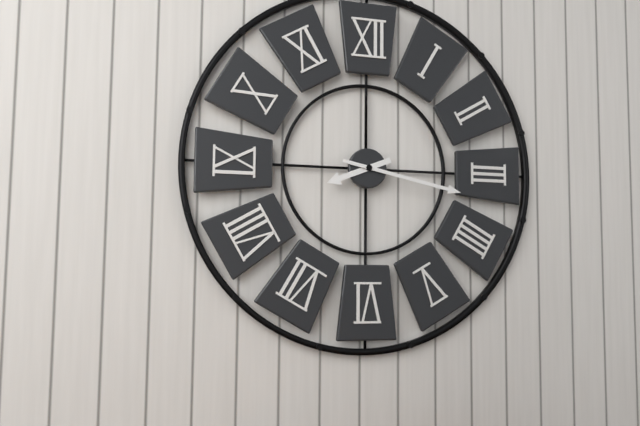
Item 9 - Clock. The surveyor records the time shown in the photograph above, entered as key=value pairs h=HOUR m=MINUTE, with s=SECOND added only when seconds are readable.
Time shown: h=8 m=17
